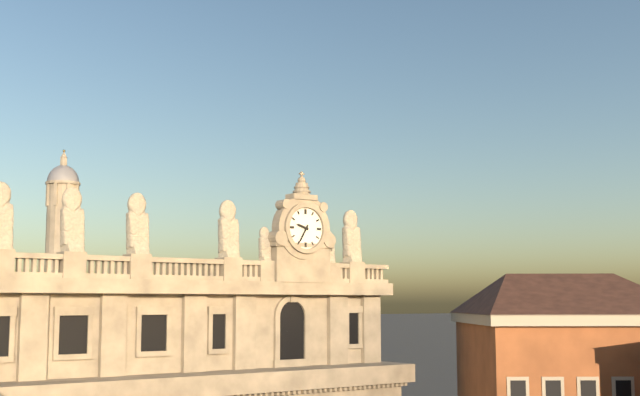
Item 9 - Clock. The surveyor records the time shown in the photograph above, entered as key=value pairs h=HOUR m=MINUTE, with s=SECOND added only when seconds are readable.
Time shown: h=9 m=35
